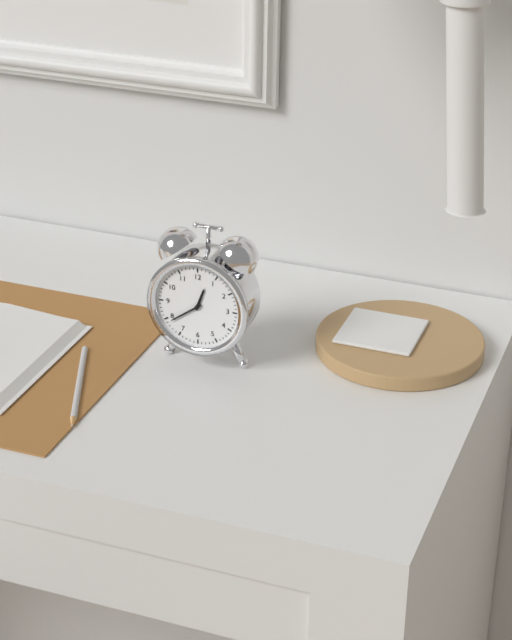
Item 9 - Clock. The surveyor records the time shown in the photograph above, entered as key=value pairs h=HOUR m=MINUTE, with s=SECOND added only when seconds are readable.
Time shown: h=12 m=39
